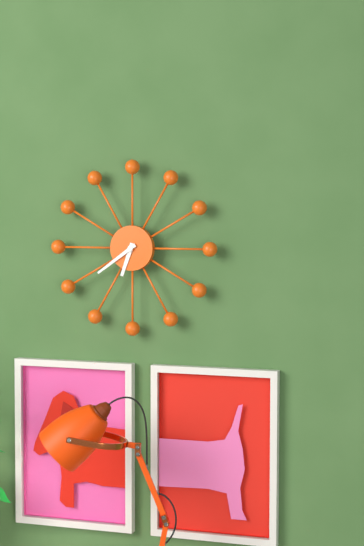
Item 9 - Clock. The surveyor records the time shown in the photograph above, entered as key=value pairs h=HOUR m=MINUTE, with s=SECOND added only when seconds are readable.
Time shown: h=6 m=39
